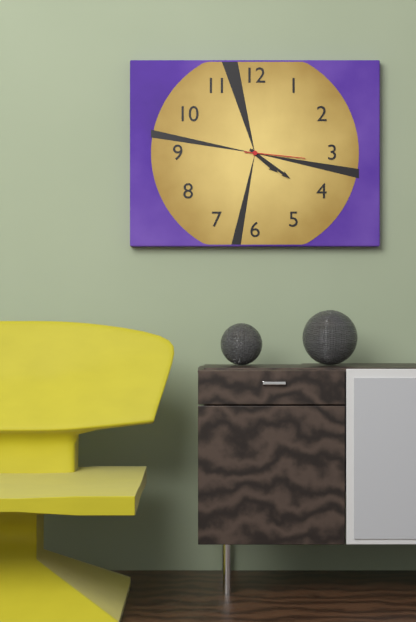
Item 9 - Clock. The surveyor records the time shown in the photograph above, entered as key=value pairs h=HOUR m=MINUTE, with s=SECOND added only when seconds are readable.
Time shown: h=4 m=21 s=16
